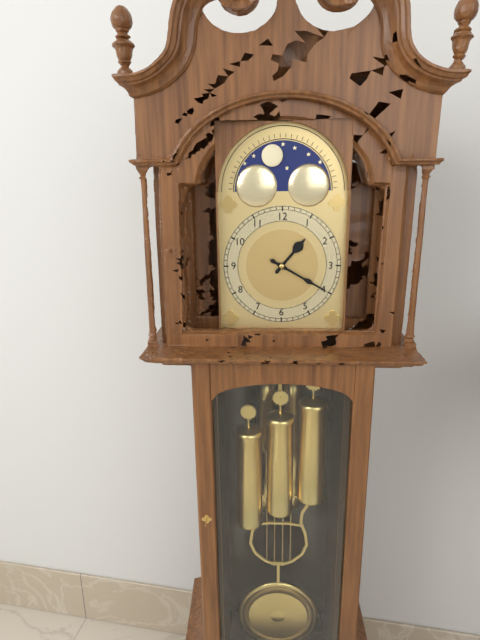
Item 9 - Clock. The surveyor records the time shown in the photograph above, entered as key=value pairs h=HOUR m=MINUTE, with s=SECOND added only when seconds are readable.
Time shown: h=1 m=20
